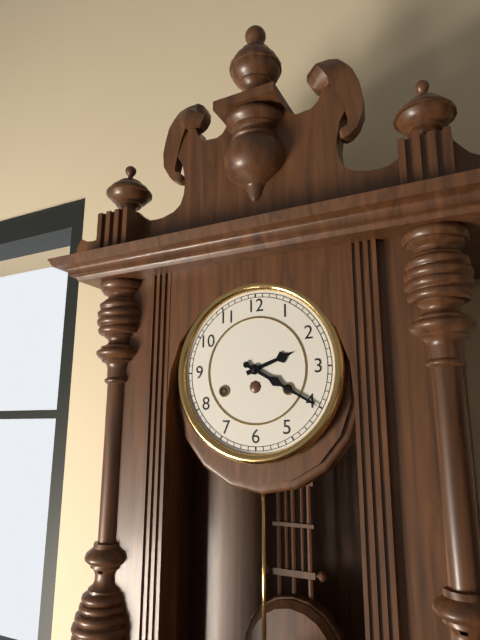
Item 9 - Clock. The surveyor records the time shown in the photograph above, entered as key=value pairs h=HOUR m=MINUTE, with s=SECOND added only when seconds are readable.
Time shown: h=2 m=20
